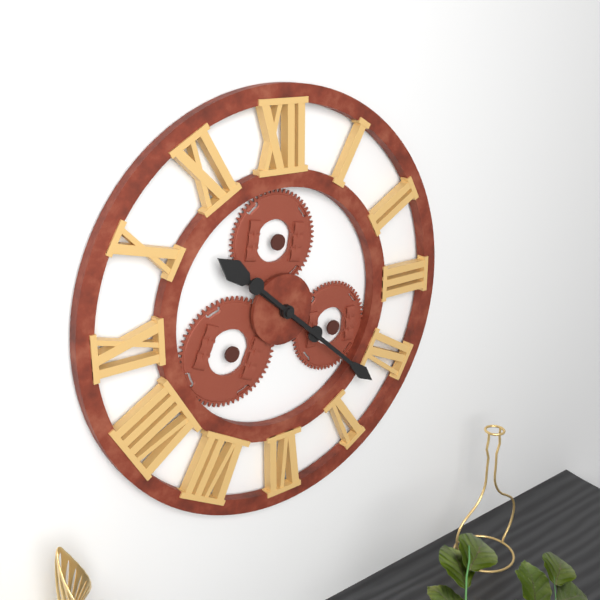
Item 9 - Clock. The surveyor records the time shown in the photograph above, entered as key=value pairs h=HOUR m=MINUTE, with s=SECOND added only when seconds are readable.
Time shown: h=10 m=22
